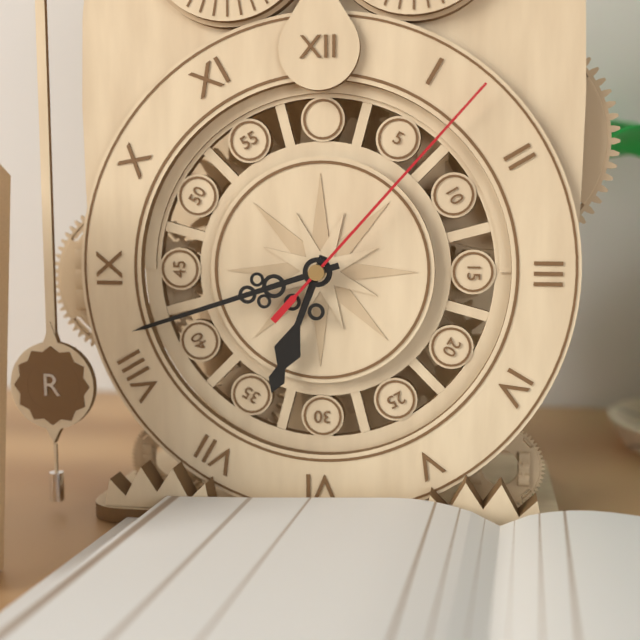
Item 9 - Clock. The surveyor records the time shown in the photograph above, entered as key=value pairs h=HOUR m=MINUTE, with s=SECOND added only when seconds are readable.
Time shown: h=6 m=42 s=7
